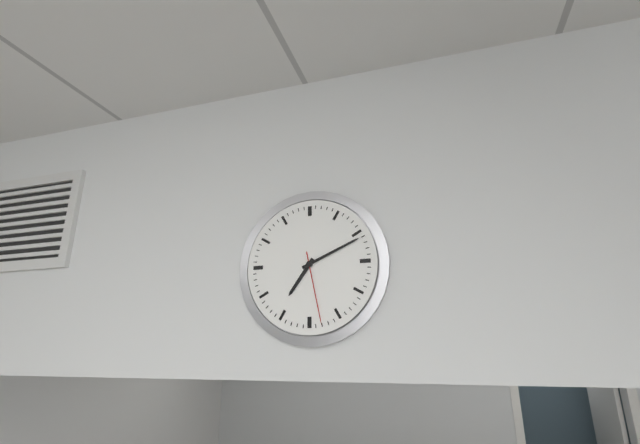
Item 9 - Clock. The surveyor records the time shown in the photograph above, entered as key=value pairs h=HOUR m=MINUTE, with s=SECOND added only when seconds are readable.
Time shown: h=7 m=11 s=28
